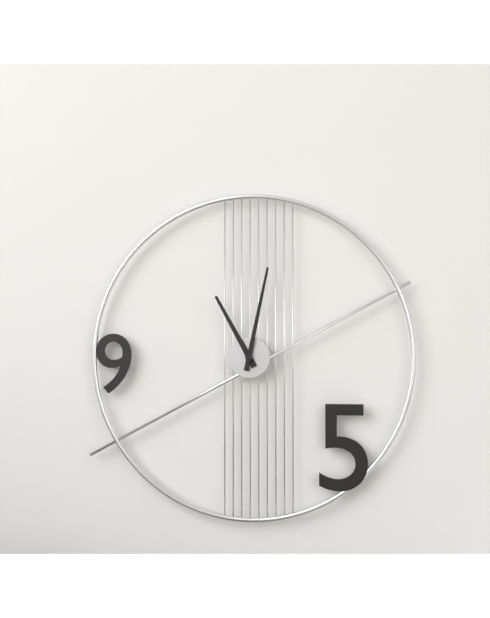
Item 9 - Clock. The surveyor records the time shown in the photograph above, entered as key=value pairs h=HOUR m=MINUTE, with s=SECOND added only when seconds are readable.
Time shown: h=11 m=2
